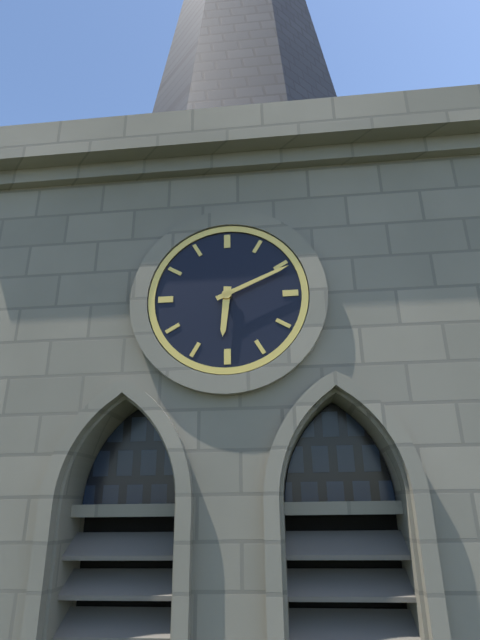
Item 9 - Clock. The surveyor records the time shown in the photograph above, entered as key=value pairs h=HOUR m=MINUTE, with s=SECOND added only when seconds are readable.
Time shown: h=6 m=11
